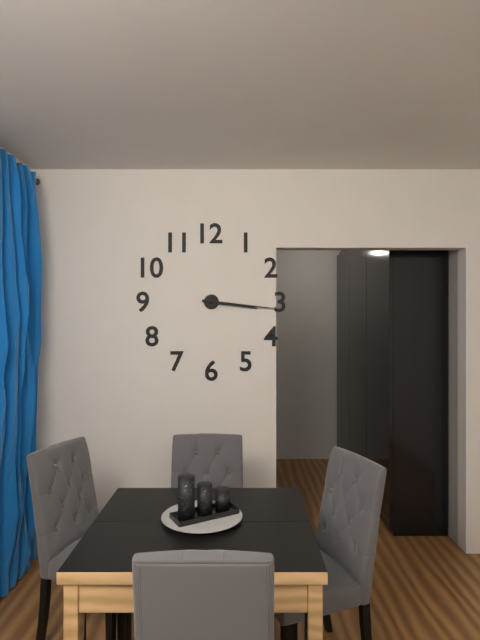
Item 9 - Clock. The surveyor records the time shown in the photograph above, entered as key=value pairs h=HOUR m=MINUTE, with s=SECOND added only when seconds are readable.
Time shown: h=3 m=16
